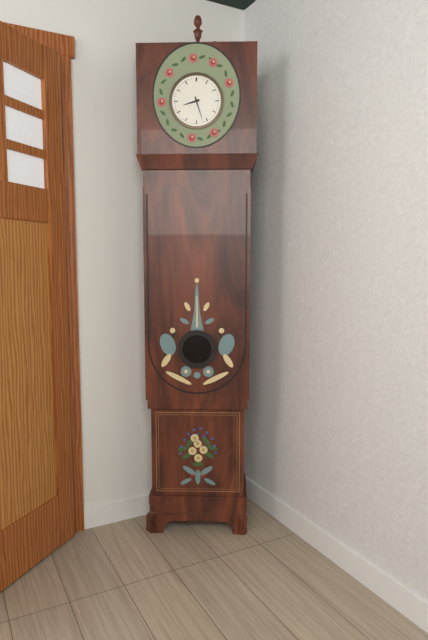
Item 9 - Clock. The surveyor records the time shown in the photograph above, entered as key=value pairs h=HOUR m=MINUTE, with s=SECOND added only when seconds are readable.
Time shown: h=8 m=27
